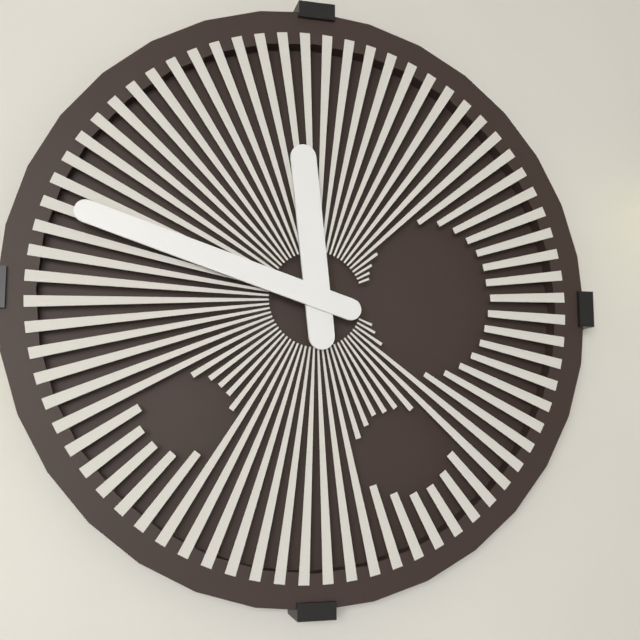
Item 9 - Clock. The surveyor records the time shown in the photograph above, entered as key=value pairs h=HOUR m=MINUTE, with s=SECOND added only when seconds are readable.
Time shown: h=11 m=48
